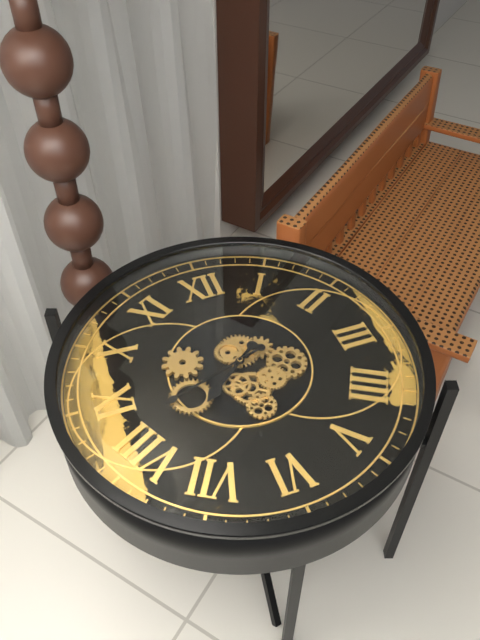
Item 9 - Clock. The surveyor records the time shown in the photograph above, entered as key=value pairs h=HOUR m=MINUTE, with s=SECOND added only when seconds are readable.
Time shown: h=7 m=42
